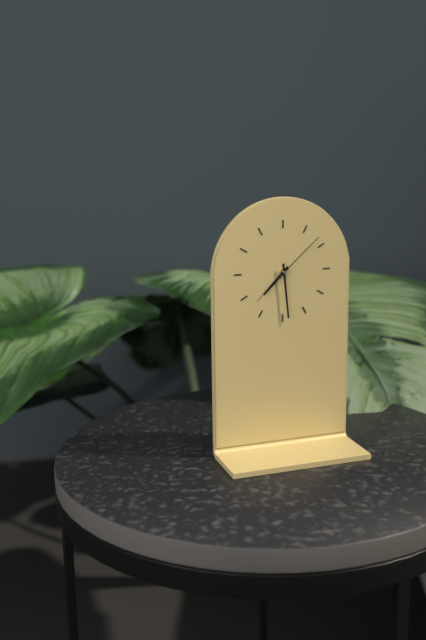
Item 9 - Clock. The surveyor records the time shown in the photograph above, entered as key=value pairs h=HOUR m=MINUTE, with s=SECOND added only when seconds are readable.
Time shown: h=7 m=29 s=8
